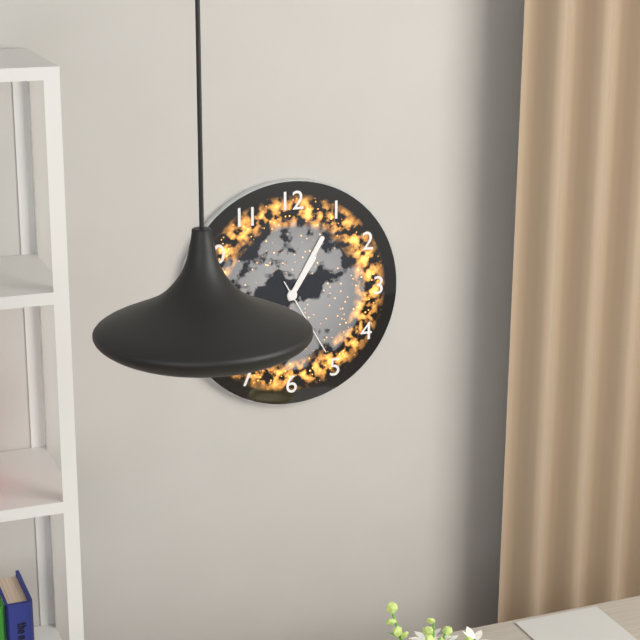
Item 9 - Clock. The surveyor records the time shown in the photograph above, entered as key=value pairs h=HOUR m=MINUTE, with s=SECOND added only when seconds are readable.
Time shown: h=1 m=5 s=25
